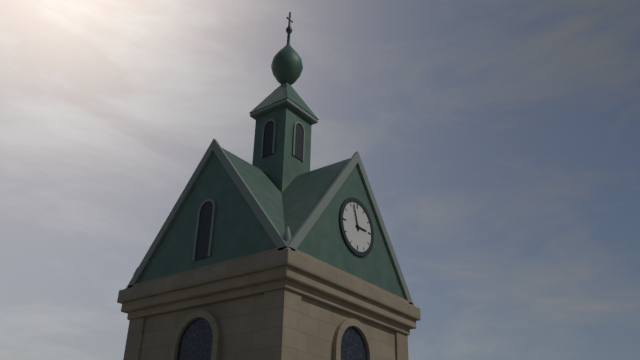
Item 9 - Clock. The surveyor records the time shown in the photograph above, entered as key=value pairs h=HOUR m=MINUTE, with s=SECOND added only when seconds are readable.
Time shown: h=2 m=57
